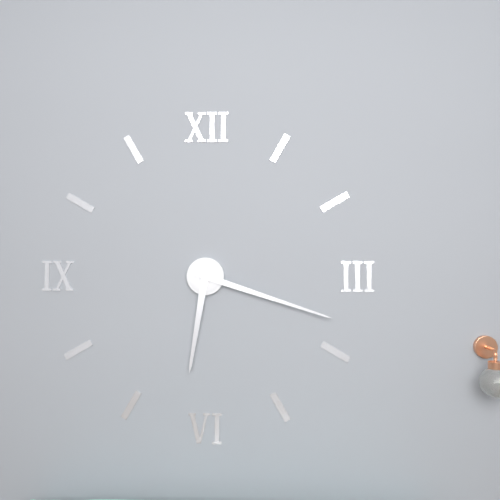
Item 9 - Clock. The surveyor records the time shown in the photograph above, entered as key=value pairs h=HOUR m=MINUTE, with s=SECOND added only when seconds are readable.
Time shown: h=6 m=18
